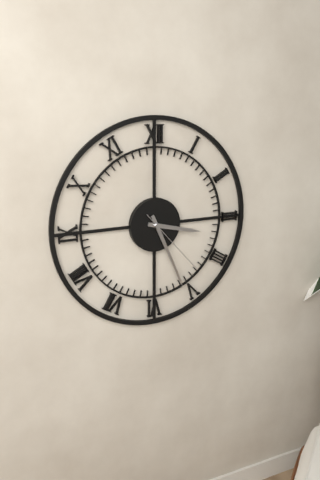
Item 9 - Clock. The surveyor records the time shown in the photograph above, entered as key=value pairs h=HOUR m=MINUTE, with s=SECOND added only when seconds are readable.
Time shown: h=3 m=26 s=23
